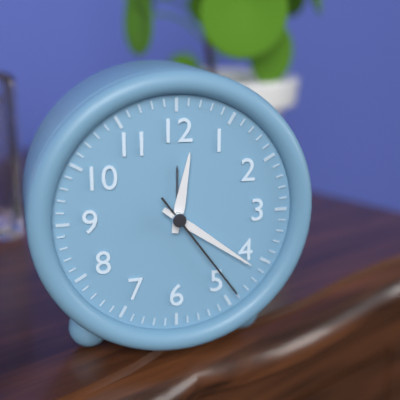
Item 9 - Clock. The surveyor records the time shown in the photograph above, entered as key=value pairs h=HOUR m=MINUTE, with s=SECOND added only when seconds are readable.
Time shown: h=12 m=21 s=24
